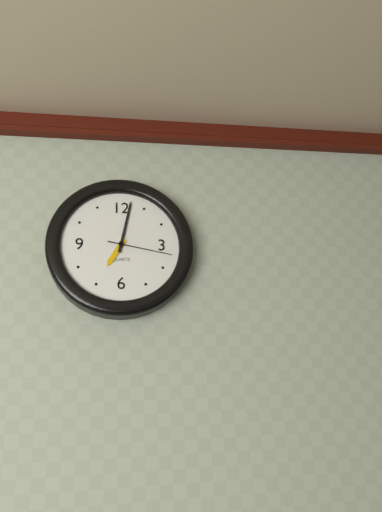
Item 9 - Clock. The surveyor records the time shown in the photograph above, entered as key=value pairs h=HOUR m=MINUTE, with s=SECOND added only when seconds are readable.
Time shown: h=7 m=2 s=17
